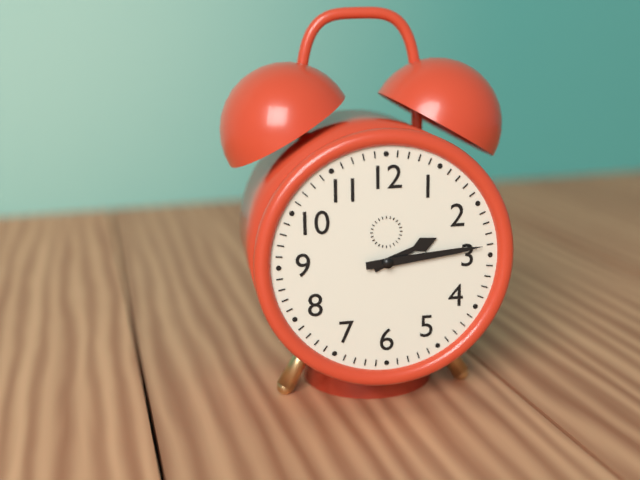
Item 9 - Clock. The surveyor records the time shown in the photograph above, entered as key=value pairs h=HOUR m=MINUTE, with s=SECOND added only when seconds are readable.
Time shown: h=2 m=14
